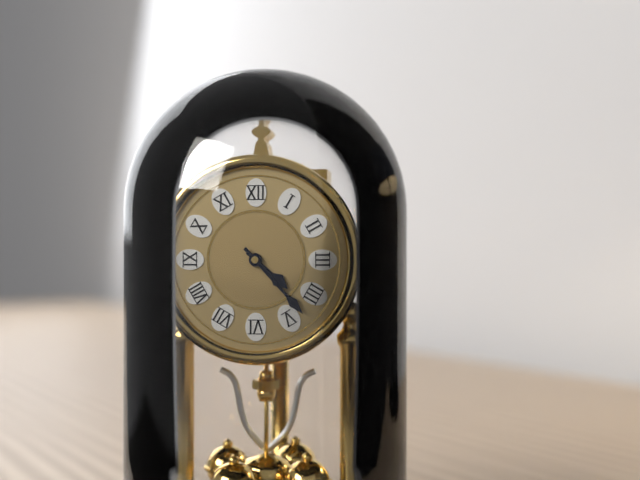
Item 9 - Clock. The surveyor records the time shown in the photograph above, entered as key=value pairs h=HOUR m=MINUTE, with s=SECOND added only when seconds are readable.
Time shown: h=4 m=23
